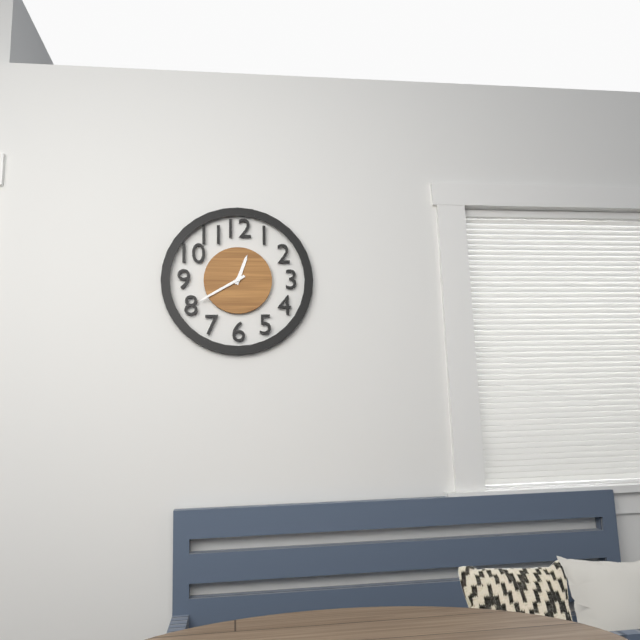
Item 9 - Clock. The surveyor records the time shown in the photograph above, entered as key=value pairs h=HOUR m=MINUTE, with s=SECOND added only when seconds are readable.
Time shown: h=12 m=40
